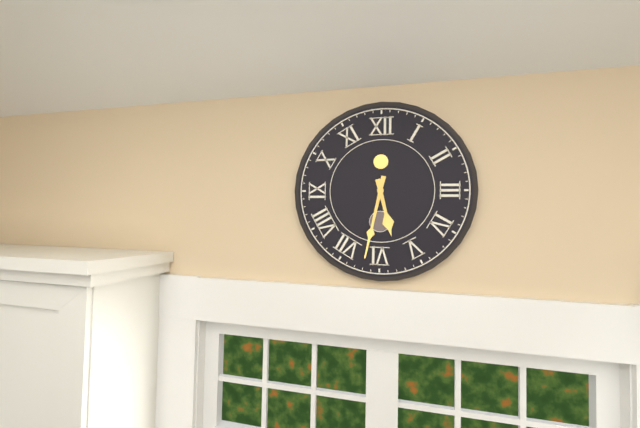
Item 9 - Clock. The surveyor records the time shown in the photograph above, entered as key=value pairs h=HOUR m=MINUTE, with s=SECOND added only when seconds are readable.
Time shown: h=5 m=32
